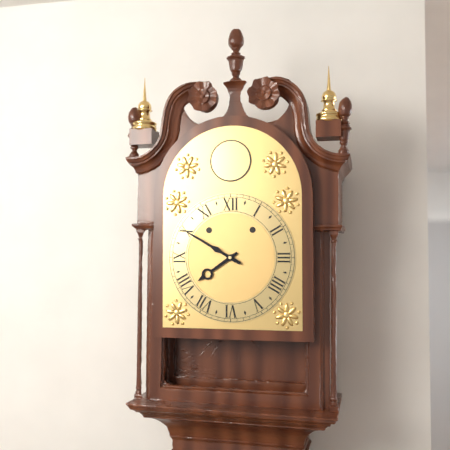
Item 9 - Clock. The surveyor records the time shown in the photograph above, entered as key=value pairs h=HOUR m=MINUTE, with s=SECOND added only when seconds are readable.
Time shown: h=7 m=50
